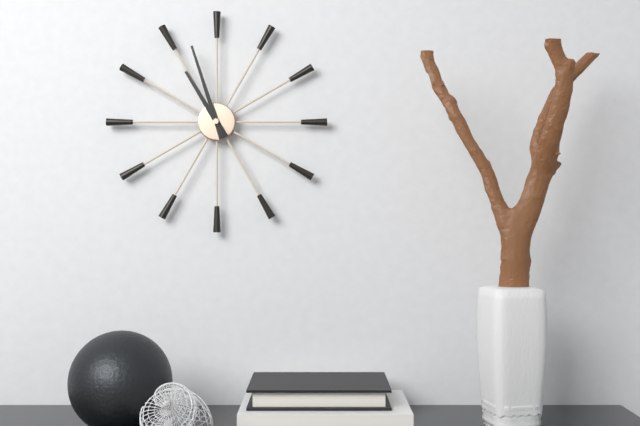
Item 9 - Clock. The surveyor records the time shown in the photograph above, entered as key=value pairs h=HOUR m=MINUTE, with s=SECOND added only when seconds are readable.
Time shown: h=10 m=57
